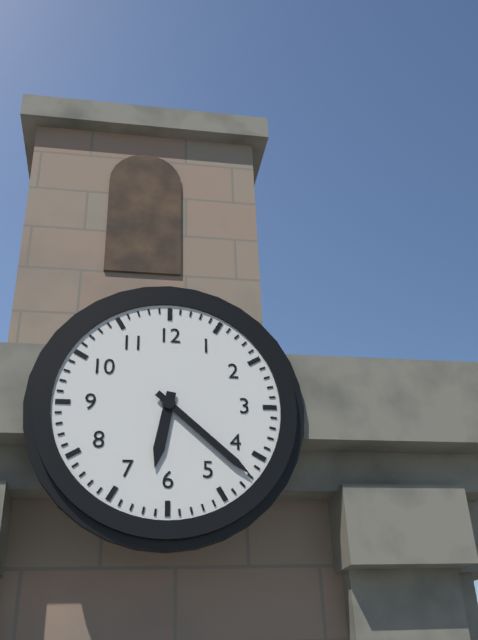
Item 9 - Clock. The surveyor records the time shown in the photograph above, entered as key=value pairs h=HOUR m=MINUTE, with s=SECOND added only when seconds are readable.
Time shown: h=6 m=22
